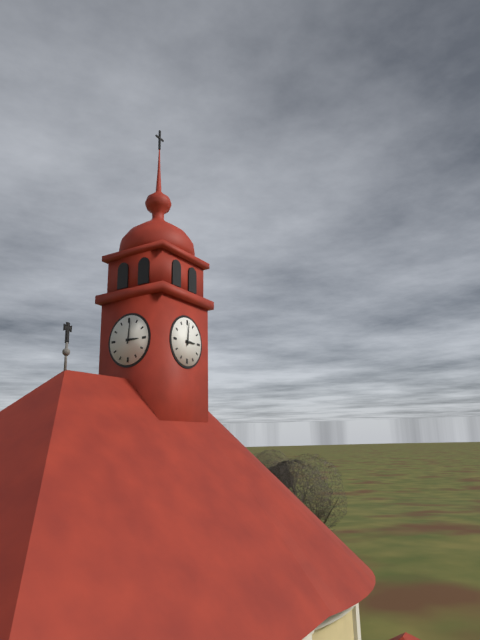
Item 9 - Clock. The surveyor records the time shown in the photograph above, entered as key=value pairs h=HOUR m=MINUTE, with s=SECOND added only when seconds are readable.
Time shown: h=3 m=1
